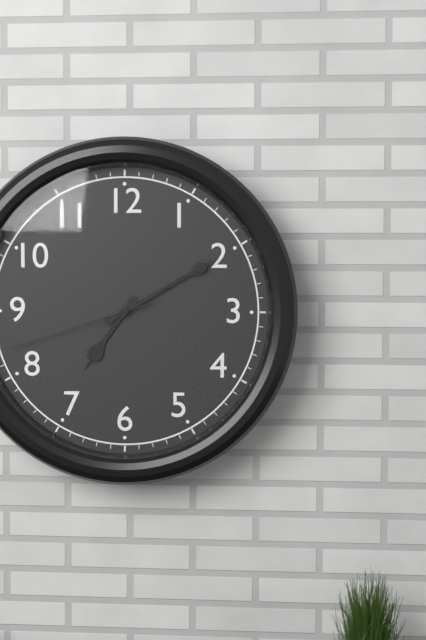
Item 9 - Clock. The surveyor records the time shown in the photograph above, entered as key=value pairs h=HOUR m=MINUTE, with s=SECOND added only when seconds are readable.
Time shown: h=7 m=10 s=42
